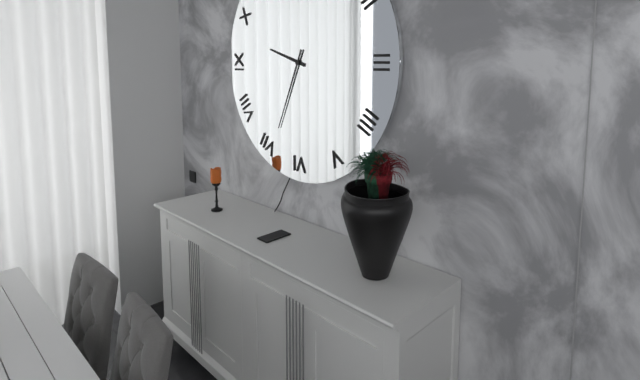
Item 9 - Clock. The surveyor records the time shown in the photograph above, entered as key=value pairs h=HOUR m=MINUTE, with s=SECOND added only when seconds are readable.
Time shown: h=9 m=34
